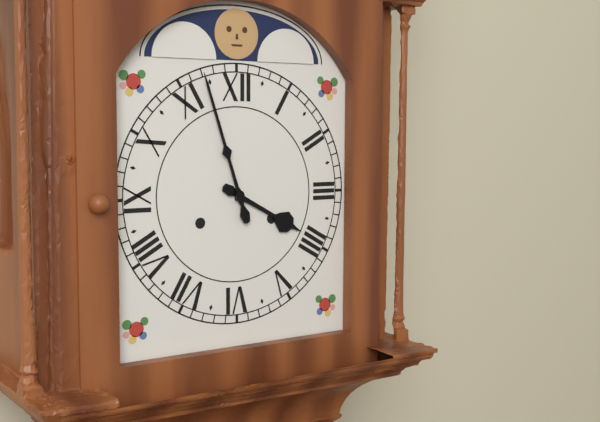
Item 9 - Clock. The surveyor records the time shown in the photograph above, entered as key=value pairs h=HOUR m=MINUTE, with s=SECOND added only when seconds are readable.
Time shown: h=3 m=57
